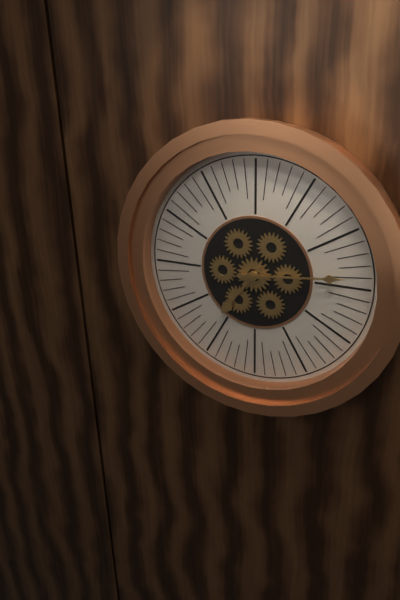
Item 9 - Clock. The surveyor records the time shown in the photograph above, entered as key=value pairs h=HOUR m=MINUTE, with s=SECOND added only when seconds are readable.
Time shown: h=7 m=14
